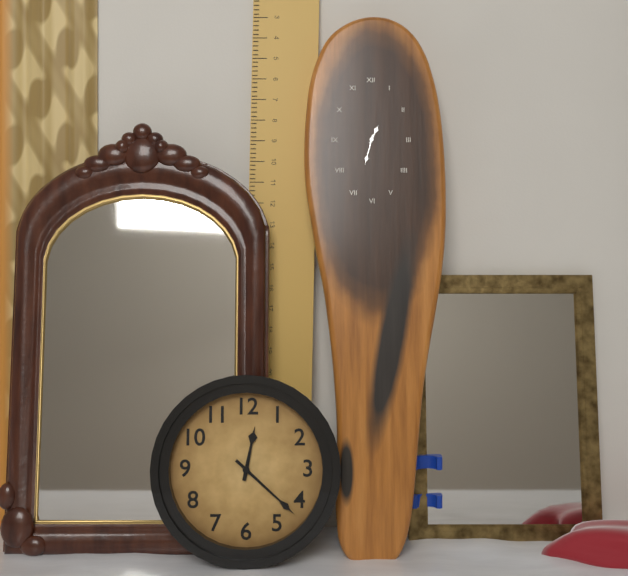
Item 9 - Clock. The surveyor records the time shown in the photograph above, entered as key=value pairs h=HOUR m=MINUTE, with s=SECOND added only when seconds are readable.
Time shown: h=12 m=22
